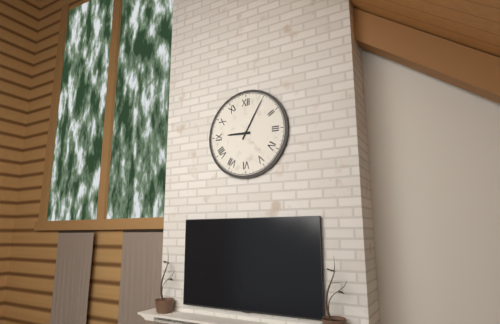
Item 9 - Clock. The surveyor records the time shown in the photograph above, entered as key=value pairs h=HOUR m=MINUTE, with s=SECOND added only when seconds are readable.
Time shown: h=9 m=5
